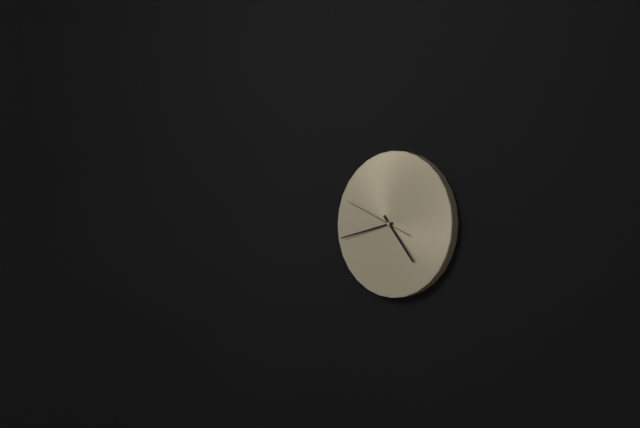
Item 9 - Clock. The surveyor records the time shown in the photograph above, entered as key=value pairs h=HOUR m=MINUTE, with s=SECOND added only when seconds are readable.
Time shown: h=4 m=43 s=49
